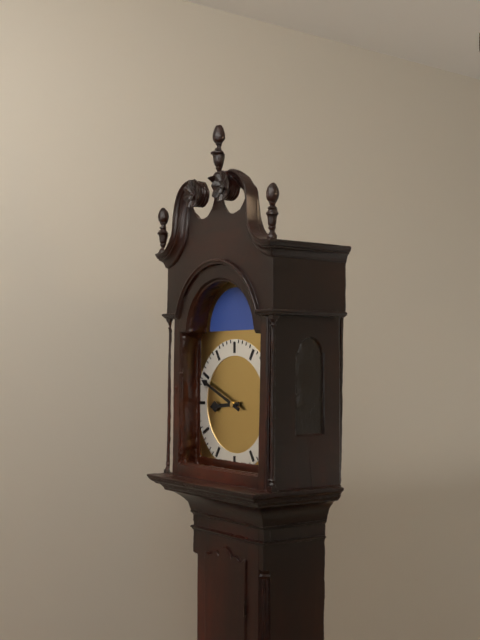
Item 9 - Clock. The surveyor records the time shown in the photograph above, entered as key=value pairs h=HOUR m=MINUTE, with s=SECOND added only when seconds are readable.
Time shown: h=8 m=49
